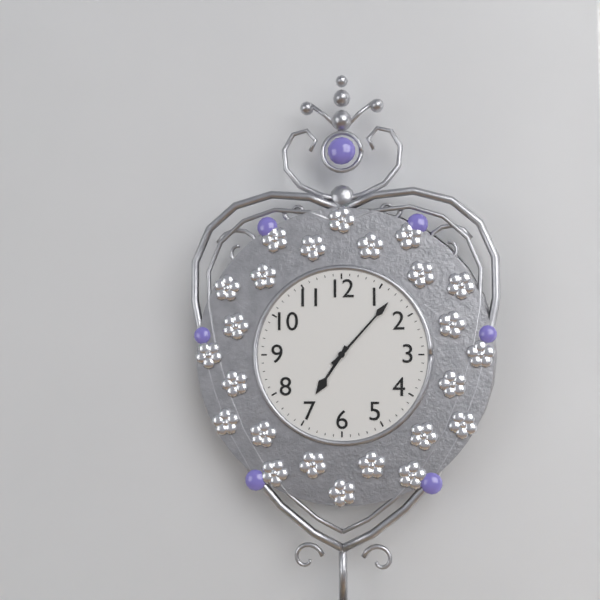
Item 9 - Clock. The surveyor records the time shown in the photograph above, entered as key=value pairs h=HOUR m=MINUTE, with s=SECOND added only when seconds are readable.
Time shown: h=7 m=7
